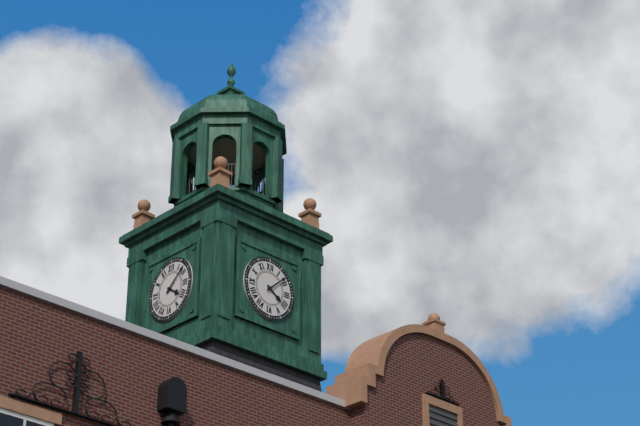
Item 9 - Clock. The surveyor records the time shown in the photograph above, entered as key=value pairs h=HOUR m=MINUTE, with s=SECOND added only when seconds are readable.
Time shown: h=4 m=8
